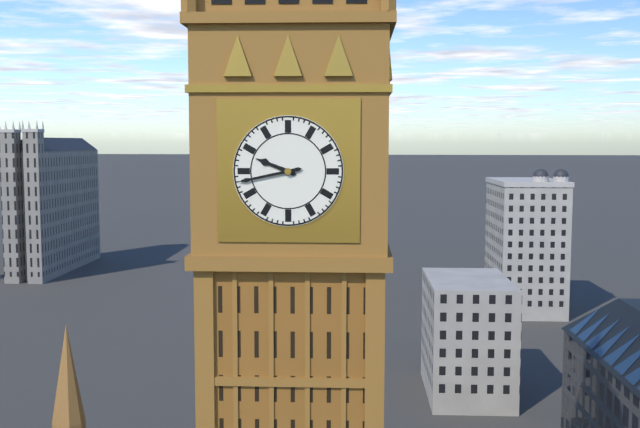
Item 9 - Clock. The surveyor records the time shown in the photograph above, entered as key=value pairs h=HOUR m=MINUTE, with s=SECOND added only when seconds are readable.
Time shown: h=9 m=43
